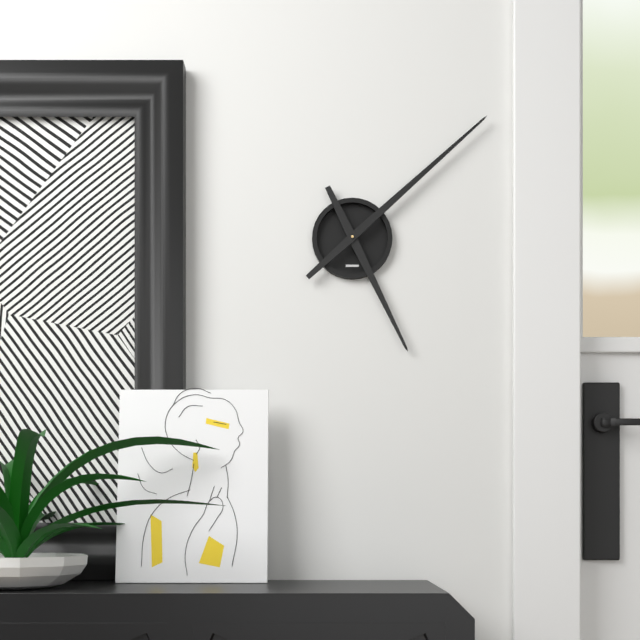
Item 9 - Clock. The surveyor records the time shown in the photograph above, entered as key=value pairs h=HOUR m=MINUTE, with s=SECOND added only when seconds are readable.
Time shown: h=5 m=8
